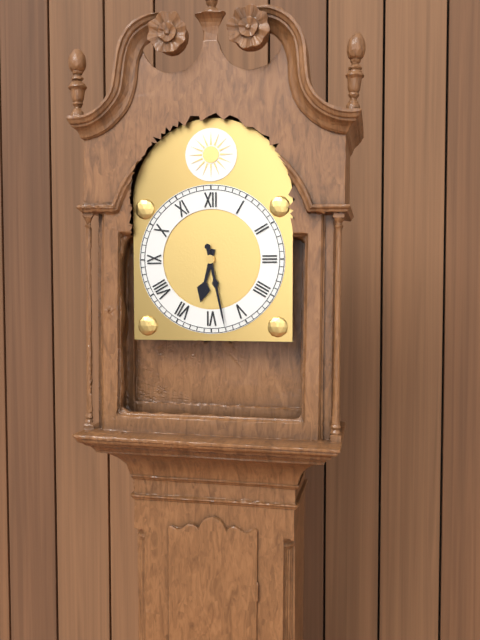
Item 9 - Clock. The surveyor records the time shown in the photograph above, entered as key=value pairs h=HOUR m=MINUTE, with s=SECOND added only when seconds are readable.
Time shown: h=6 m=28
